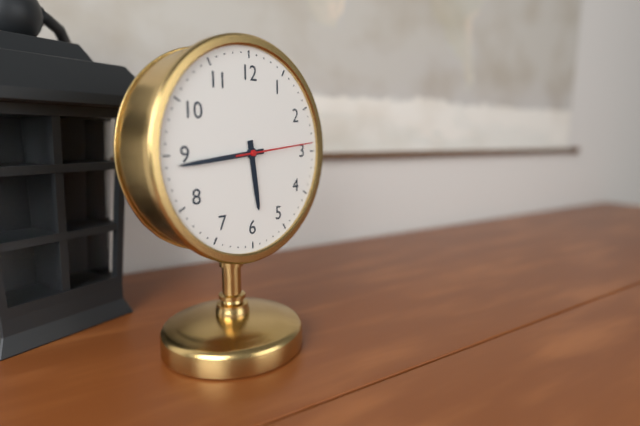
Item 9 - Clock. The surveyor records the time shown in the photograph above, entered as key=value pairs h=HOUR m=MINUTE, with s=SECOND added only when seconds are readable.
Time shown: h=5 m=44 s=14
